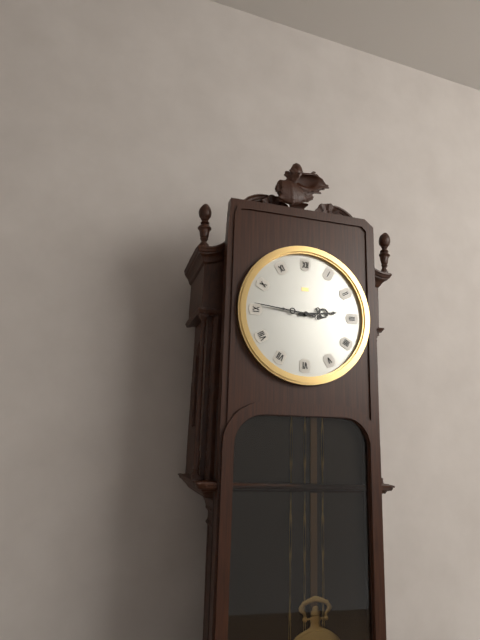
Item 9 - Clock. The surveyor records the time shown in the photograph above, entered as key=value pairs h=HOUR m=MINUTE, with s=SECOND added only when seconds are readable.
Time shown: h=2 m=46
